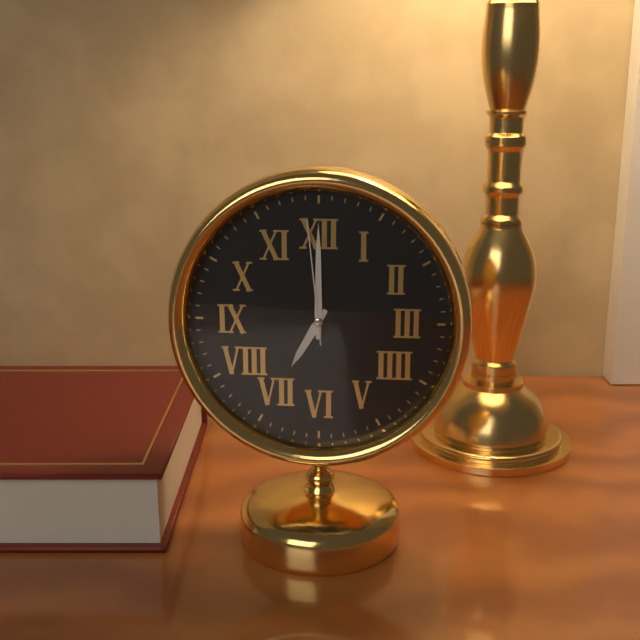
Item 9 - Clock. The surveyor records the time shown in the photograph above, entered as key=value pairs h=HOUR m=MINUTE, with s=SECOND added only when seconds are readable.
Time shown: h=7 m=0 s=59
